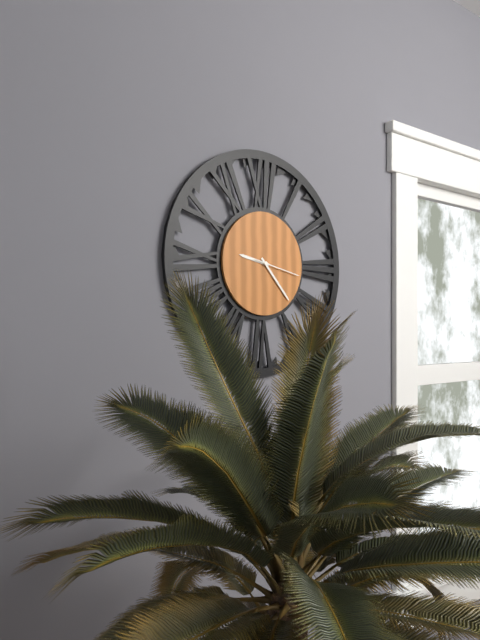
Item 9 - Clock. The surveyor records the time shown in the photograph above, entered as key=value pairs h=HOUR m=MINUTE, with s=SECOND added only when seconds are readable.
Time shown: h=9 m=23 s=17
